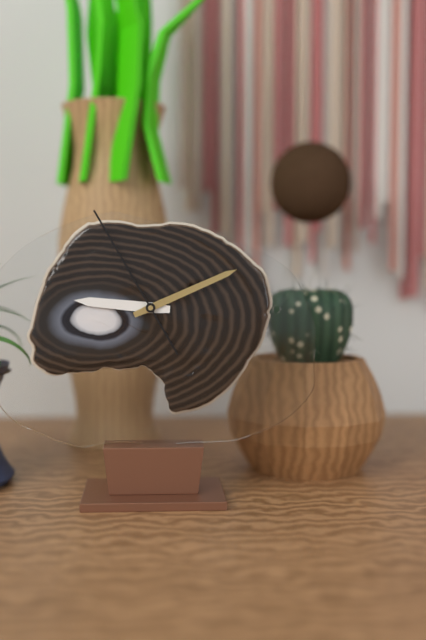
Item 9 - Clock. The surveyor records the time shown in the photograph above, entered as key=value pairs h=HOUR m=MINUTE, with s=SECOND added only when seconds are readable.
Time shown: h=9 m=11 s=55
